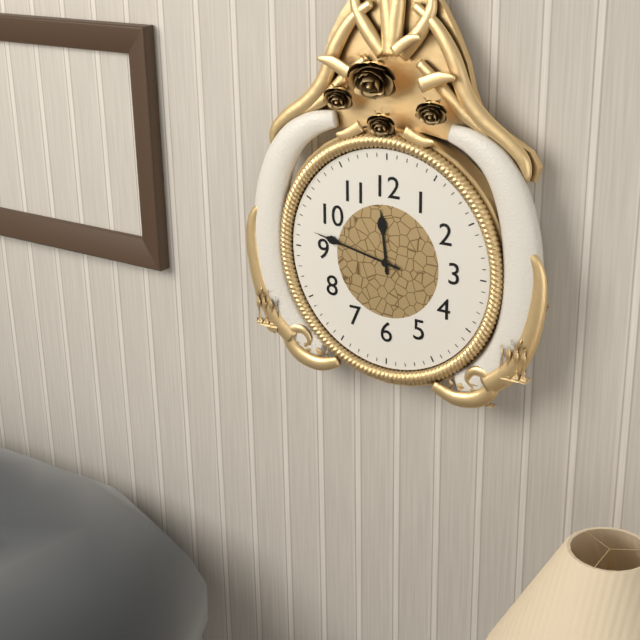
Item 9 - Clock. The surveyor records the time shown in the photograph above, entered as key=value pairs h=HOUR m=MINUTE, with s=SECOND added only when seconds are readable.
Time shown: h=11 m=47
